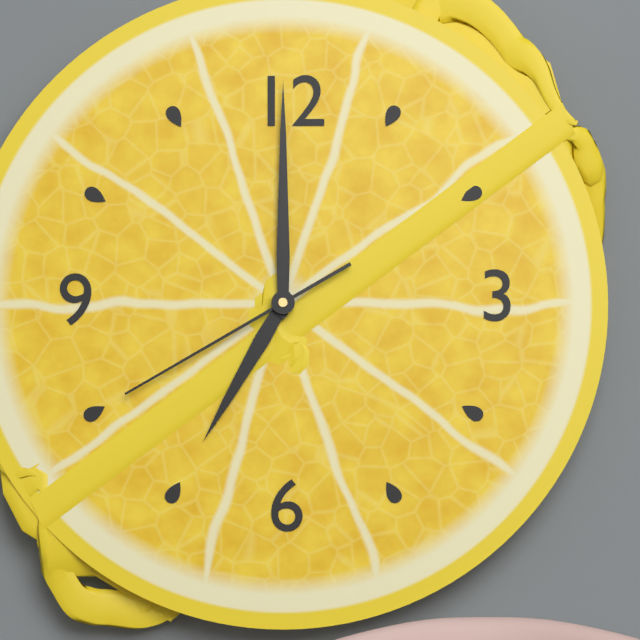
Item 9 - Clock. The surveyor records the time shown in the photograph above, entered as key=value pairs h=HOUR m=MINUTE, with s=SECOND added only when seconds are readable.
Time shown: h=7 m=0 s=40
